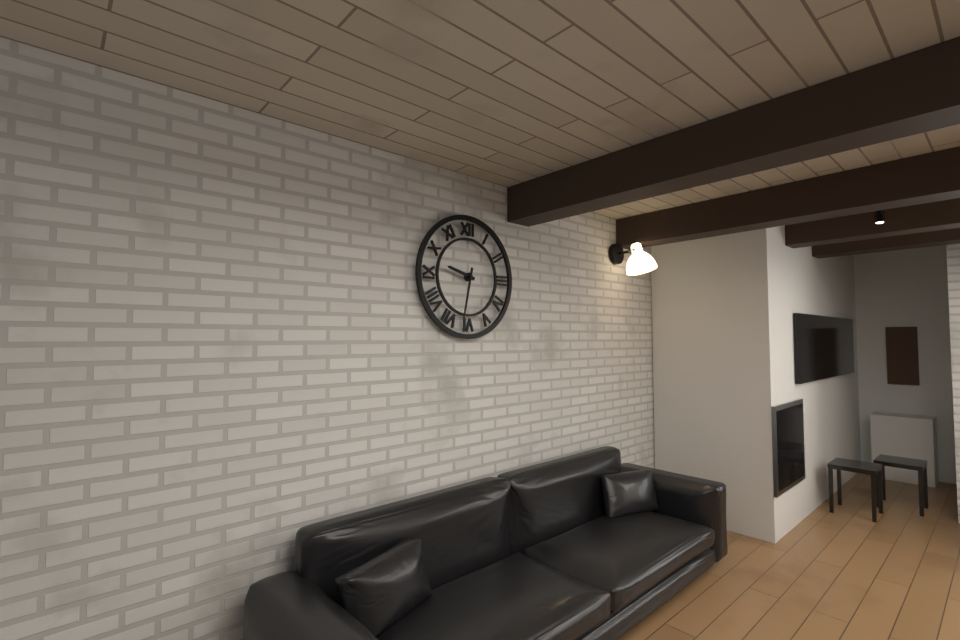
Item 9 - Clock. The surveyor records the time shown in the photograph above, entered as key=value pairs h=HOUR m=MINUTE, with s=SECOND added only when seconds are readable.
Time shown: h=9 m=32
